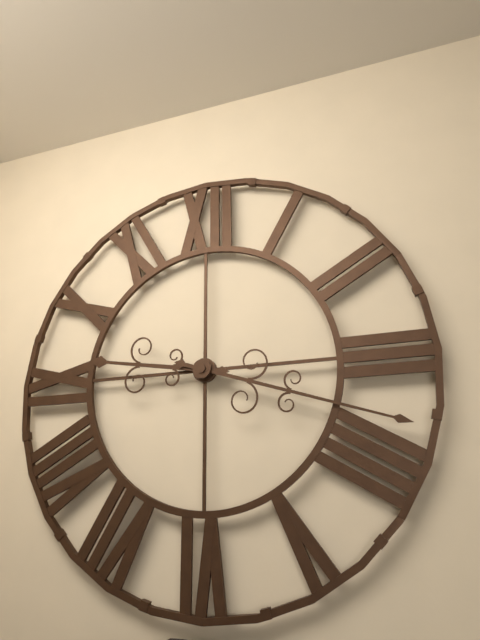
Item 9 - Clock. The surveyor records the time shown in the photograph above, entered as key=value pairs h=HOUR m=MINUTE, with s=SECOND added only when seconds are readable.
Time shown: h=9 m=18
